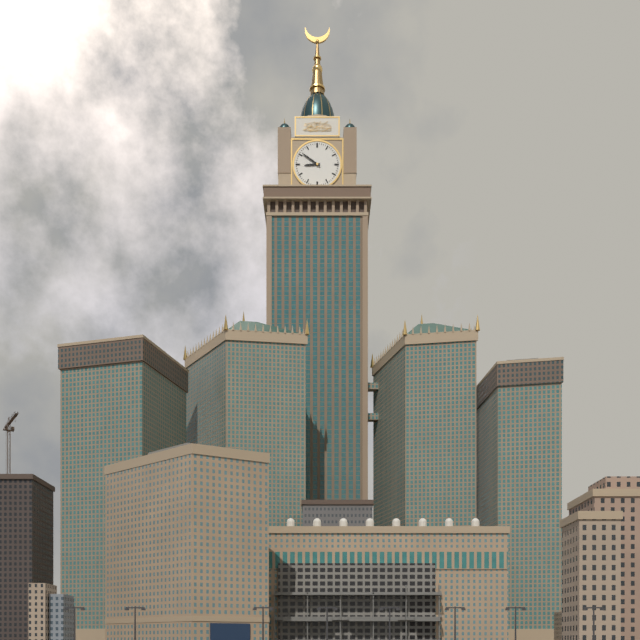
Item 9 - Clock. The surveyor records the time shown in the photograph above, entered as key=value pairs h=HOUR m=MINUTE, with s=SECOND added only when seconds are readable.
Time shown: h=8 m=51
